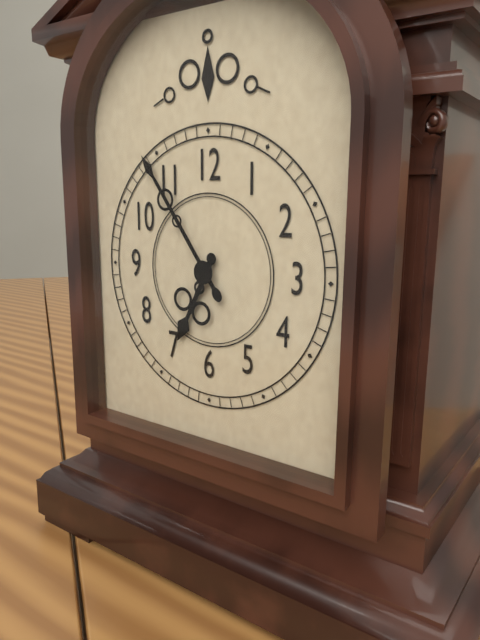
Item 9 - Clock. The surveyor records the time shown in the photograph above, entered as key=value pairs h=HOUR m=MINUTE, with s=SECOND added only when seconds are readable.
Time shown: h=6 m=54
